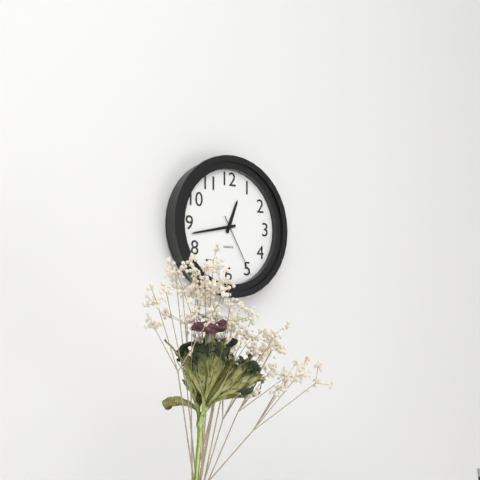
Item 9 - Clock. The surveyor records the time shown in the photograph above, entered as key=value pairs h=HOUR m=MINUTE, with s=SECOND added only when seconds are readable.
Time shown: h=12 m=43 s=25
